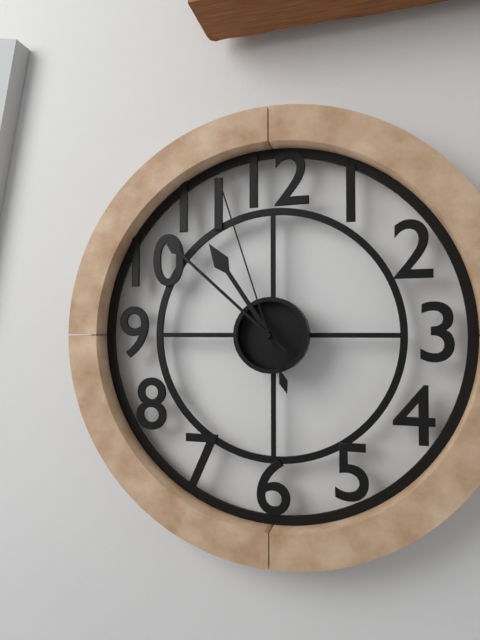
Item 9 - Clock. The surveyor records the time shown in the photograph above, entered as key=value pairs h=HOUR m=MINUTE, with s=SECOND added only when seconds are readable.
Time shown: h=10 m=52 s=57
